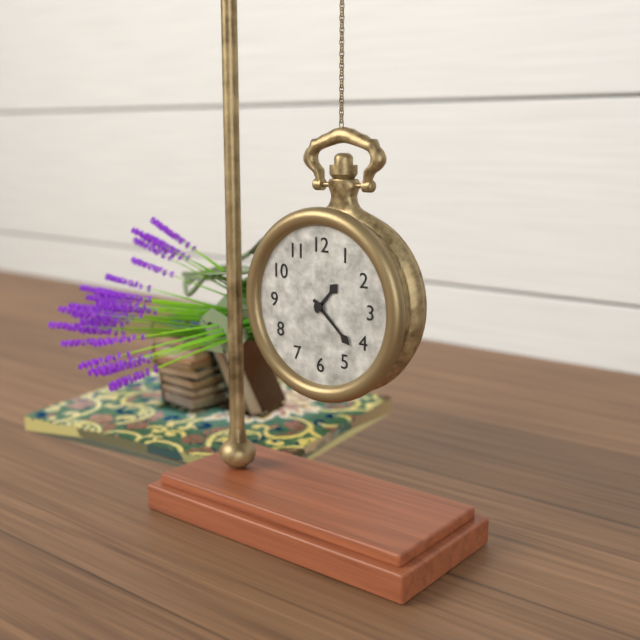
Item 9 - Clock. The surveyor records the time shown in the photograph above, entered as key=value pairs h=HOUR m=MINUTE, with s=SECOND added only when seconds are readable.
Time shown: h=1 m=22
